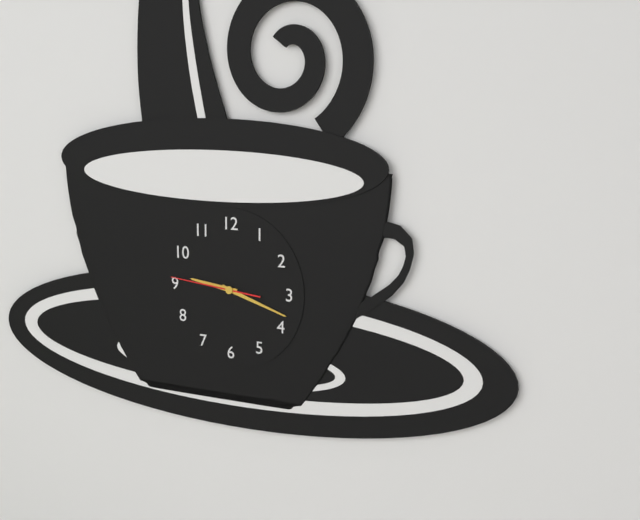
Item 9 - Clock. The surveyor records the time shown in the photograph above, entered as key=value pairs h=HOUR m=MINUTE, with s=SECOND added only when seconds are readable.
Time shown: h=9 m=18 s=46
